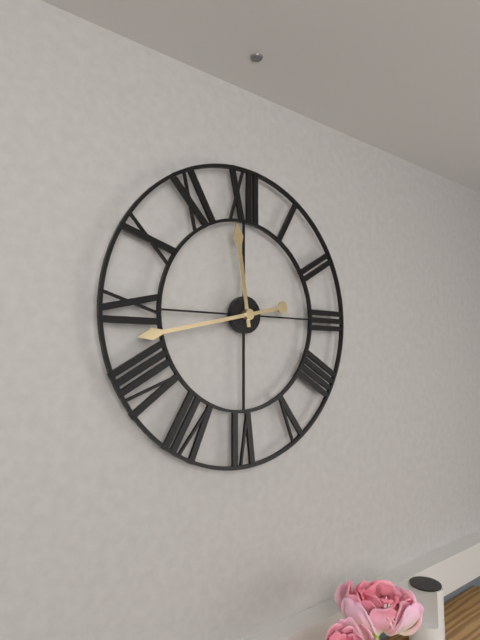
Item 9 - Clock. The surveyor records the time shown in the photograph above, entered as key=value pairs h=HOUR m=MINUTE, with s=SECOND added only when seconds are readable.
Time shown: h=11 m=43
